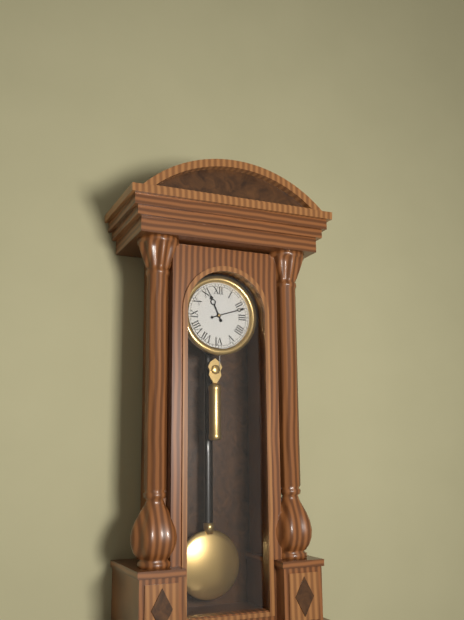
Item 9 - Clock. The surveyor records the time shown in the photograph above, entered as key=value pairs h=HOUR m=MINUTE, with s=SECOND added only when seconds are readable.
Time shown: h=11 m=12
